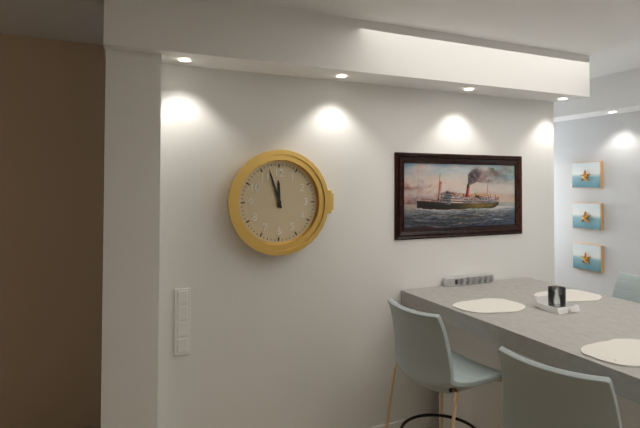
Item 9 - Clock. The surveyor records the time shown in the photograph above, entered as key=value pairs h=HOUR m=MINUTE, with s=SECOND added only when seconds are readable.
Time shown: h=11 m=57
